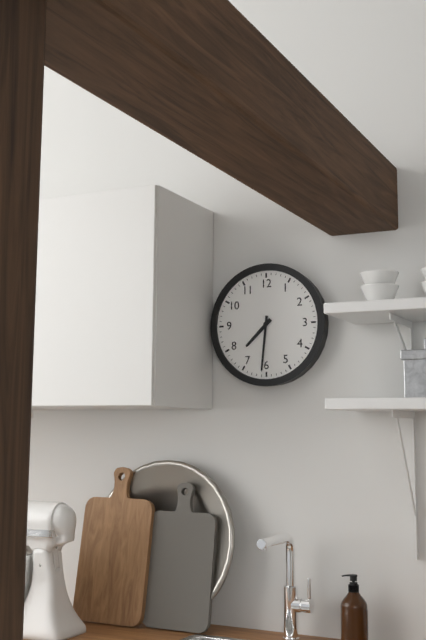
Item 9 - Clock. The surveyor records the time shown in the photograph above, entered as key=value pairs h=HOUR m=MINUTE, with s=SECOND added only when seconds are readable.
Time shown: h=7 m=31
